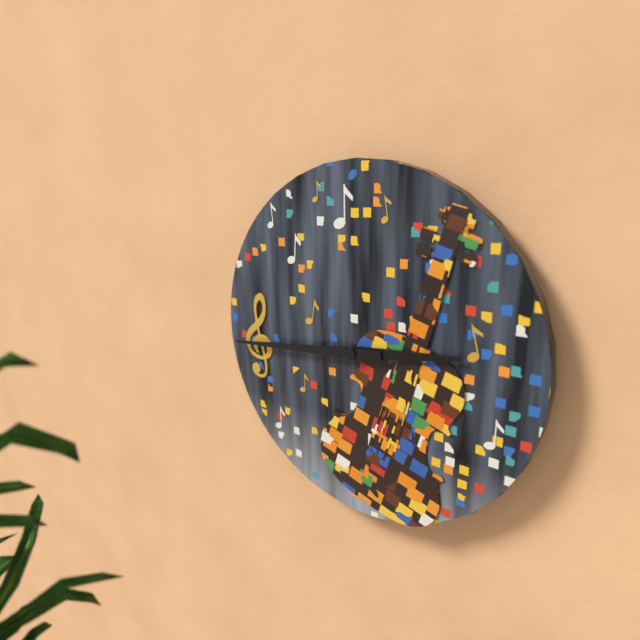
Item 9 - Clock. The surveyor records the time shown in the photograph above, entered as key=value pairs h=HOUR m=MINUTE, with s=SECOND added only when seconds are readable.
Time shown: h=2 m=44
